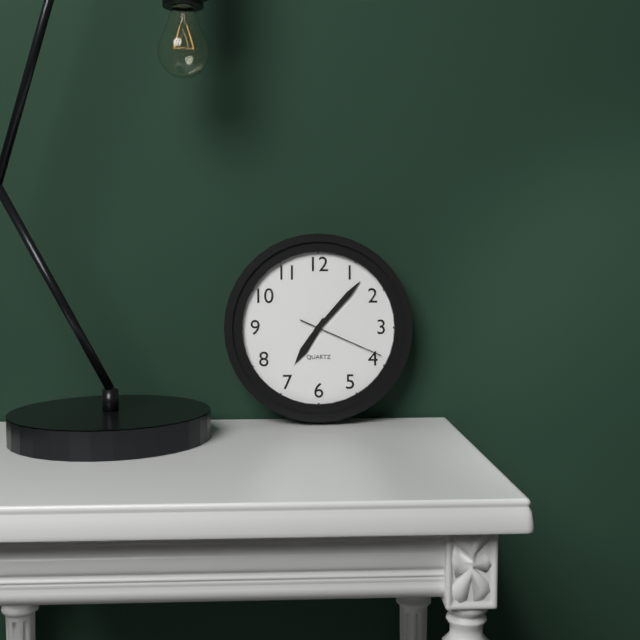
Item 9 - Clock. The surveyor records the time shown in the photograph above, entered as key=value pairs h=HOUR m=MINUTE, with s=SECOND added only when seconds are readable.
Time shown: h=7 m=7 s=19
